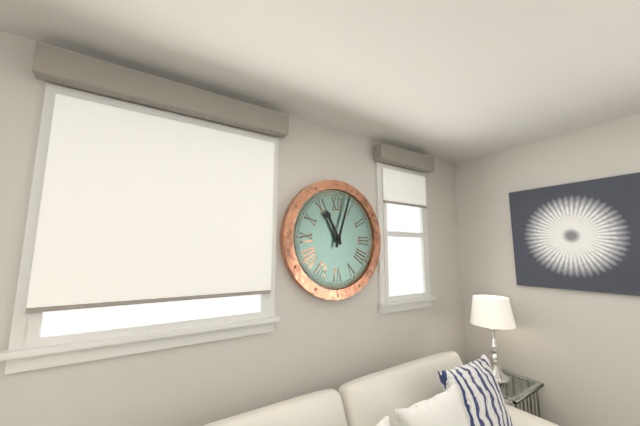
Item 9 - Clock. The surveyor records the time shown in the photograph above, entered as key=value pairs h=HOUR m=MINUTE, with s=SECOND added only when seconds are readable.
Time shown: h=11 m=3
